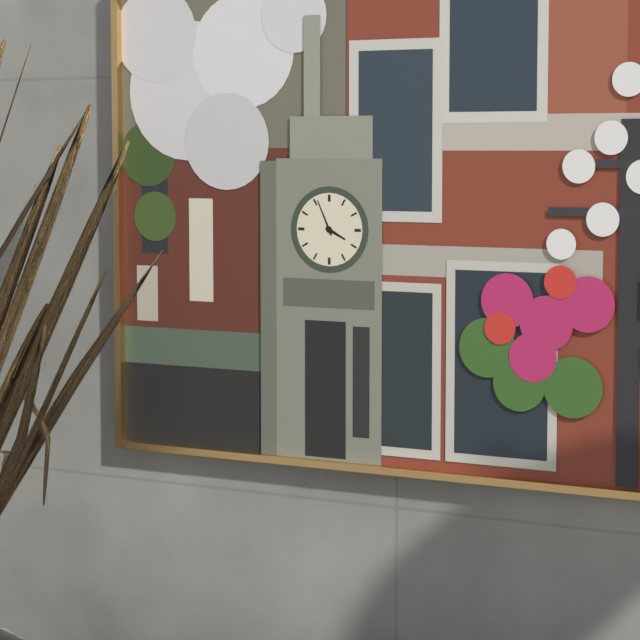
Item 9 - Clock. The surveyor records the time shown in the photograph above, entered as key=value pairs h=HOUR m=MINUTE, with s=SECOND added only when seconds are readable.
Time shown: h=3 m=56
